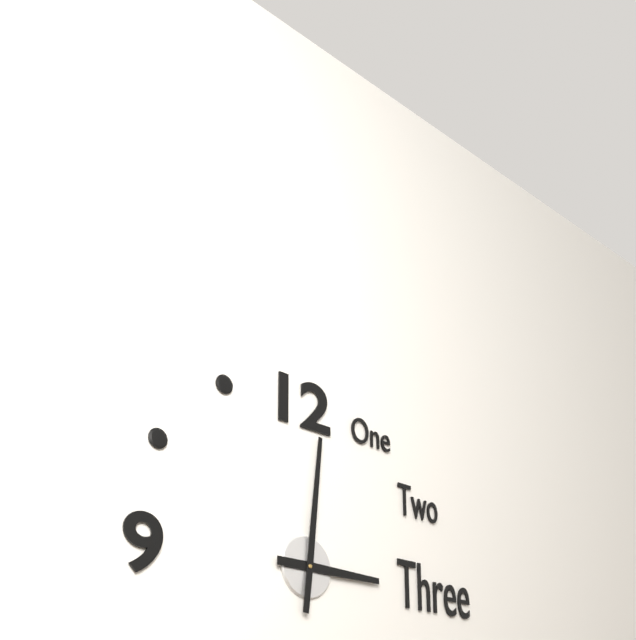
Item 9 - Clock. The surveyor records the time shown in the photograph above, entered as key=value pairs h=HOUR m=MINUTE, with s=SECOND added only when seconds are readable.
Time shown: h=3 m=1
